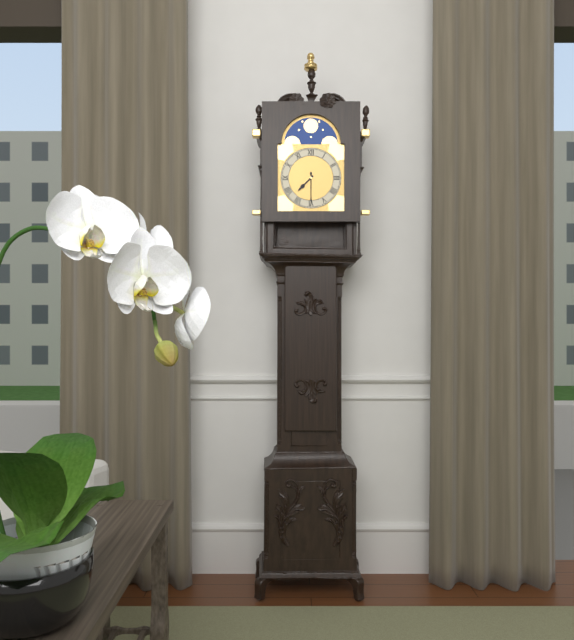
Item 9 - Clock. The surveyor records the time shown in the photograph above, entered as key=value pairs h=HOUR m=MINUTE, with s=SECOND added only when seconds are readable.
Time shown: h=7 m=30
